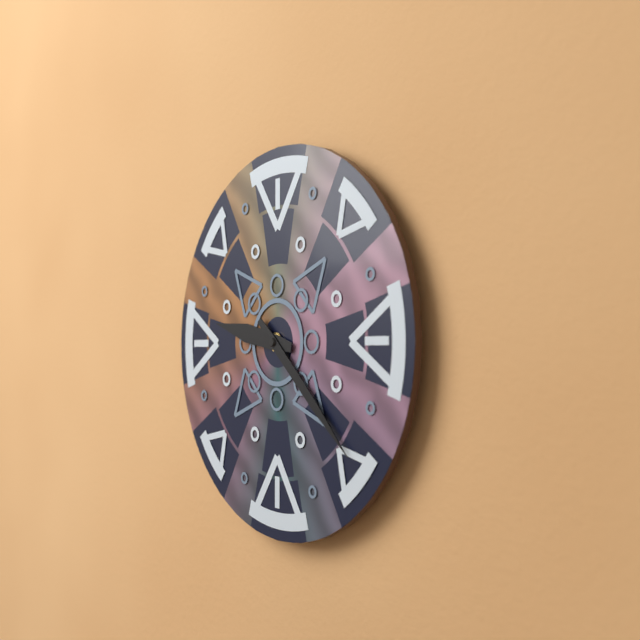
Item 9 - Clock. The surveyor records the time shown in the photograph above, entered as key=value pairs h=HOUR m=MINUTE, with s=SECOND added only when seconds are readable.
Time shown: h=9 m=22
